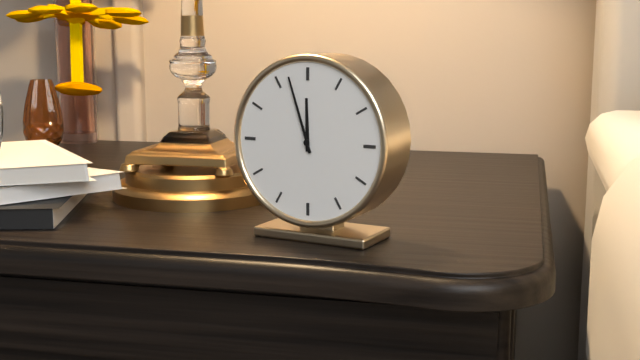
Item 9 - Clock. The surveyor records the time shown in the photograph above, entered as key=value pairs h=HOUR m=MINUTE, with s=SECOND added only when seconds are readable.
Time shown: h=11 m=57
